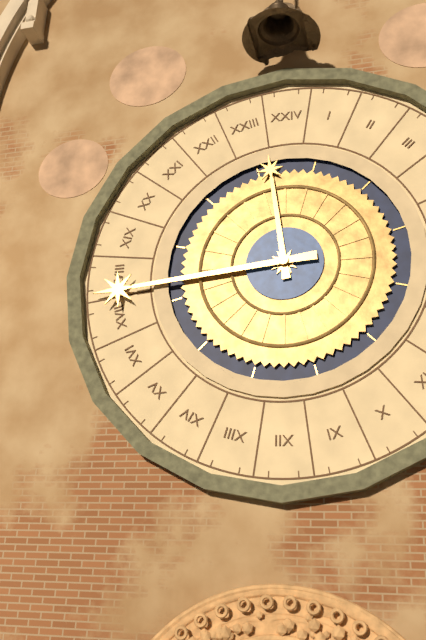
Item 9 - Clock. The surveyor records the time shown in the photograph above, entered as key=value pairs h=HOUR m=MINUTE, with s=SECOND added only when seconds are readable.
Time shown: h=11 m=44
